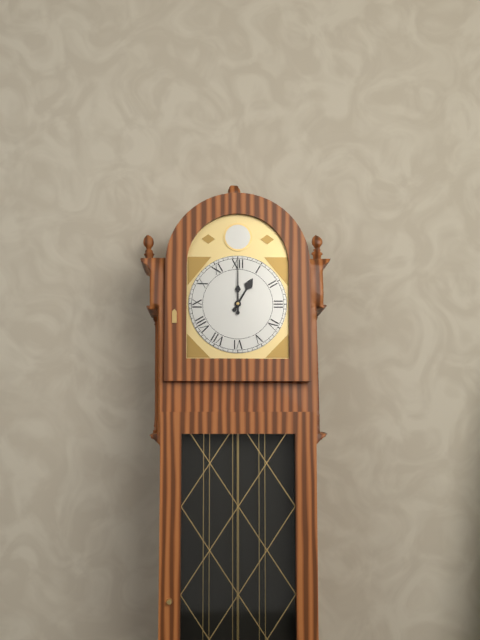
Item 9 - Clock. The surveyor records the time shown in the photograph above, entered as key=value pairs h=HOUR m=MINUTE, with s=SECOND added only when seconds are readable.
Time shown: h=1 m=0
